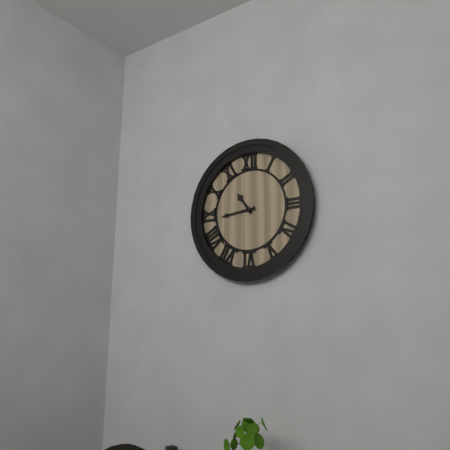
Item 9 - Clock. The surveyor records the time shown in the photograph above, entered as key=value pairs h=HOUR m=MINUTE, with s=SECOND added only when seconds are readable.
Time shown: h=10 m=44
